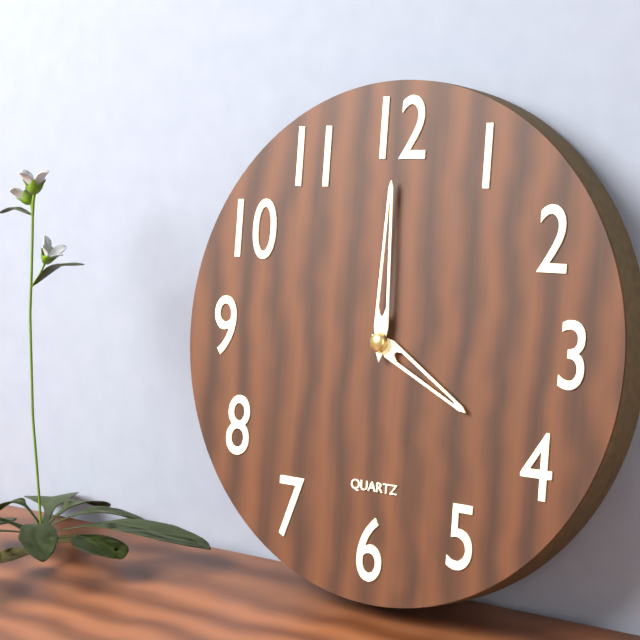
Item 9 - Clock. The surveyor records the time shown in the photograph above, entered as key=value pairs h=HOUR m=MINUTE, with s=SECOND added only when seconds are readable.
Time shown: h=4 m=0
